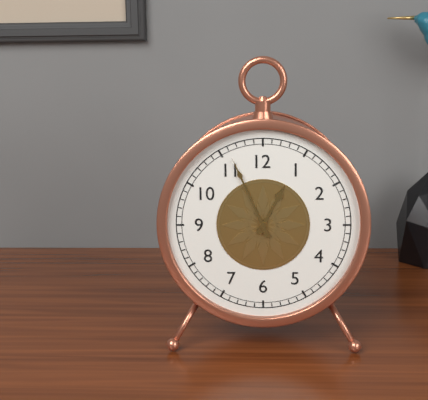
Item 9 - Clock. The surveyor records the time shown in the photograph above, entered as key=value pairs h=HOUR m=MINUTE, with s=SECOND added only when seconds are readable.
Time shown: h=12 m=56
